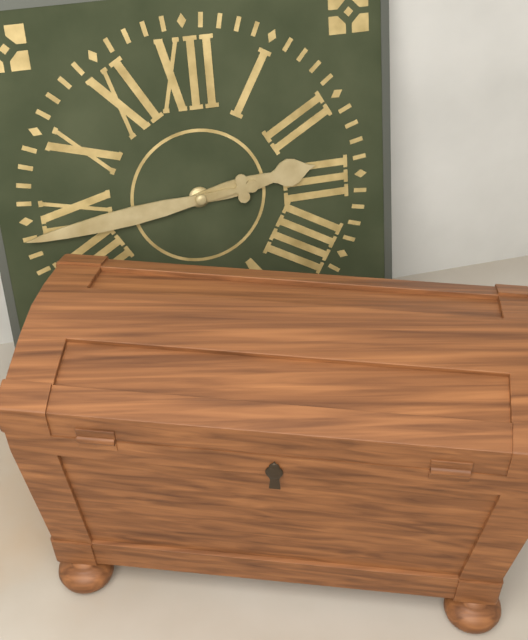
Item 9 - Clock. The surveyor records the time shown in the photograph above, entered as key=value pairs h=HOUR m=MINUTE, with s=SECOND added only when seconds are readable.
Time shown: h=2 m=44
